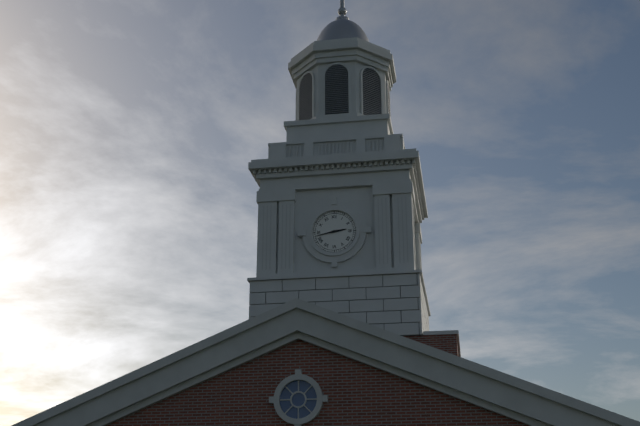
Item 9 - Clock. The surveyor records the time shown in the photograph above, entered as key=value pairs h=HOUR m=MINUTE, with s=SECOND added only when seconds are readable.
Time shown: h=2 m=43
